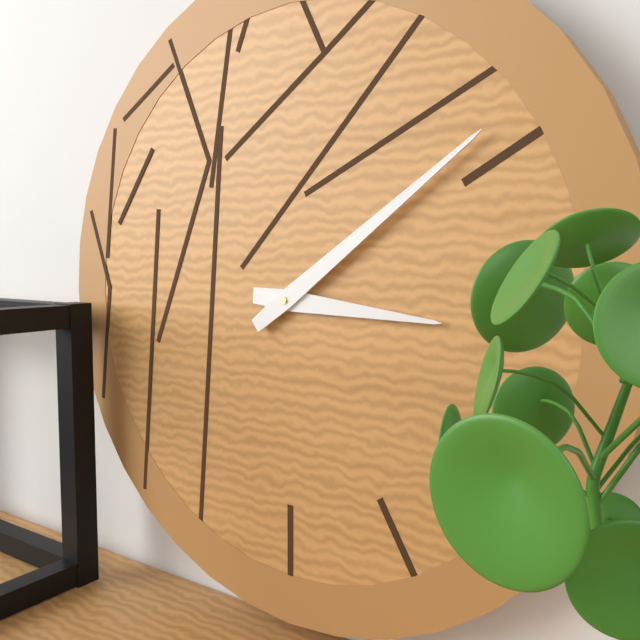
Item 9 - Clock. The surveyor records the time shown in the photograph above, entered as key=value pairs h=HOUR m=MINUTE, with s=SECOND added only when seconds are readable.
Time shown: h=3 m=9
